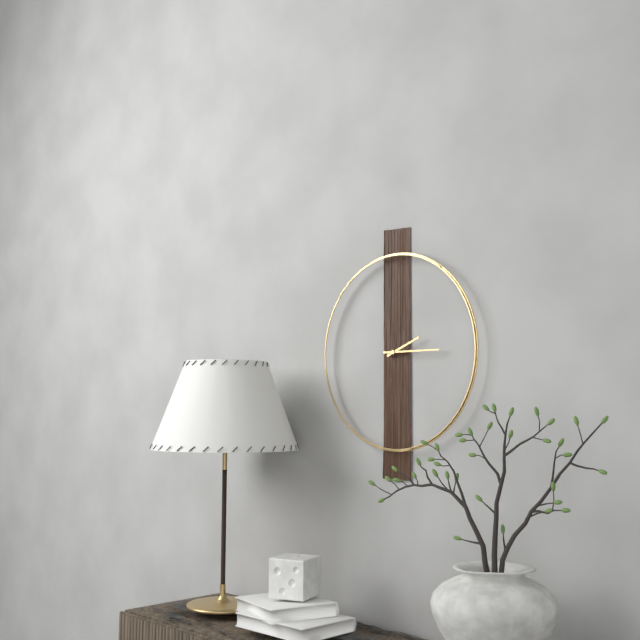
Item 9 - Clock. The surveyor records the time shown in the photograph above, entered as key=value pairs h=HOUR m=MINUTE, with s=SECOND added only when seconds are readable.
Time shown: h=2 m=15
